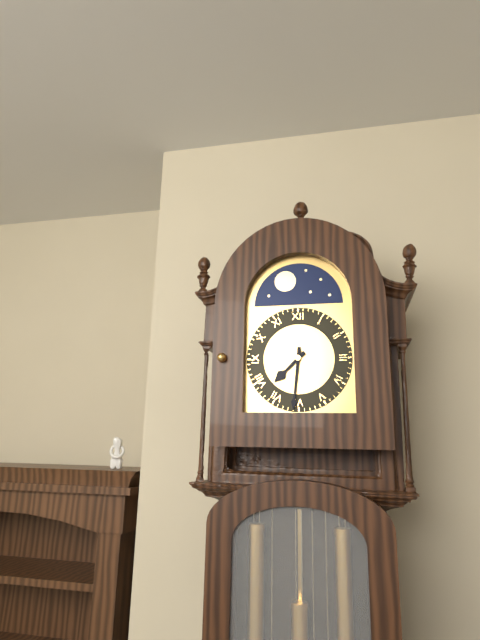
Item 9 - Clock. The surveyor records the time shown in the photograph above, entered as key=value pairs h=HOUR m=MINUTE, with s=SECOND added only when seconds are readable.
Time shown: h=7 m=31
